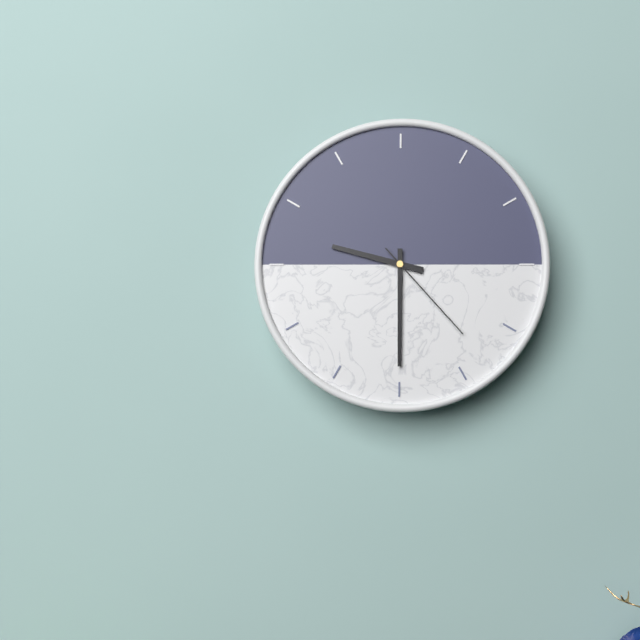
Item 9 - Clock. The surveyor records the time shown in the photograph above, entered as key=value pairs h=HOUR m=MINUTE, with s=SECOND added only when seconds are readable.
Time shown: h=9 m=30 s=23
